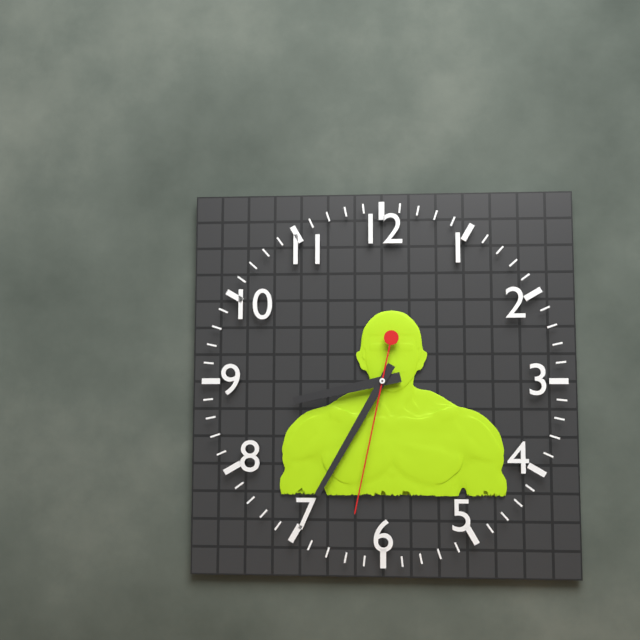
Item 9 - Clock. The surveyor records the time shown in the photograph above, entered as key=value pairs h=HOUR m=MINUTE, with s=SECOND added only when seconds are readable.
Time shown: h=8 m=35 s=32
